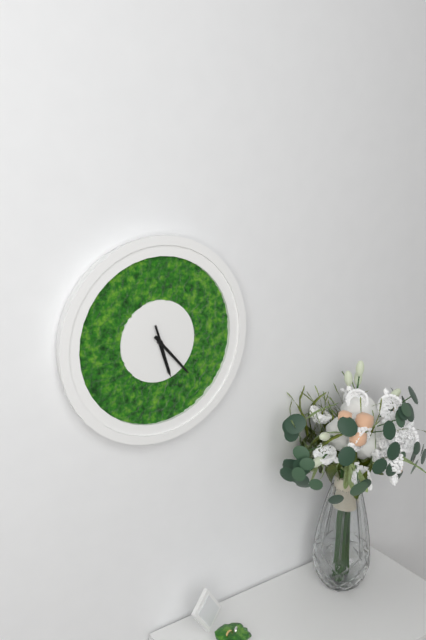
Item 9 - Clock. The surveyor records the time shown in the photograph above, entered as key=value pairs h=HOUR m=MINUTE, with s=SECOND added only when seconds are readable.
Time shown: h=5 m=23
